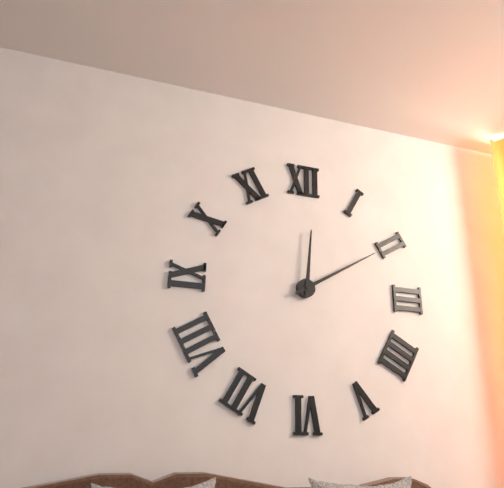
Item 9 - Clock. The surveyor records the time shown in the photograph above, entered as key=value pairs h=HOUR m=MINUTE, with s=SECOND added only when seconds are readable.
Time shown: h=12 m=10
